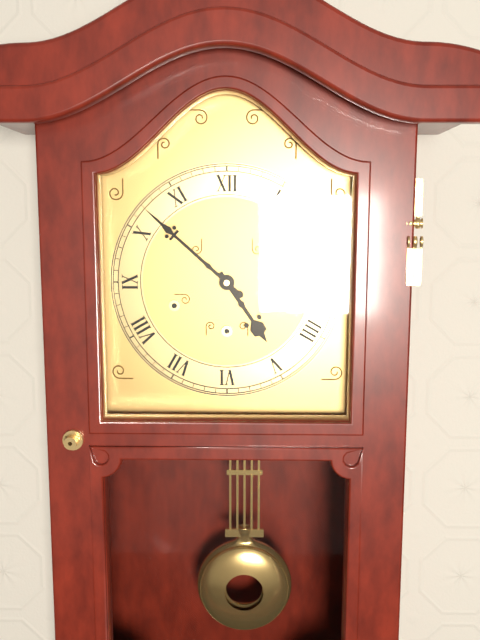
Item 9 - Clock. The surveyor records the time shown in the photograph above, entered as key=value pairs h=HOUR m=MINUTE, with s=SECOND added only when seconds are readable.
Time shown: h=4 m=52
